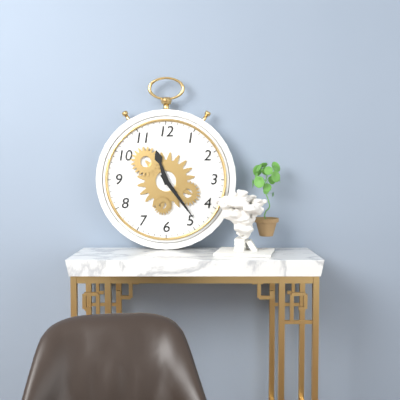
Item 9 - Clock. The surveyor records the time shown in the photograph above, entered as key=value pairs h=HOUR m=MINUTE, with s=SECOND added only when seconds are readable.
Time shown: h=11 m=24
